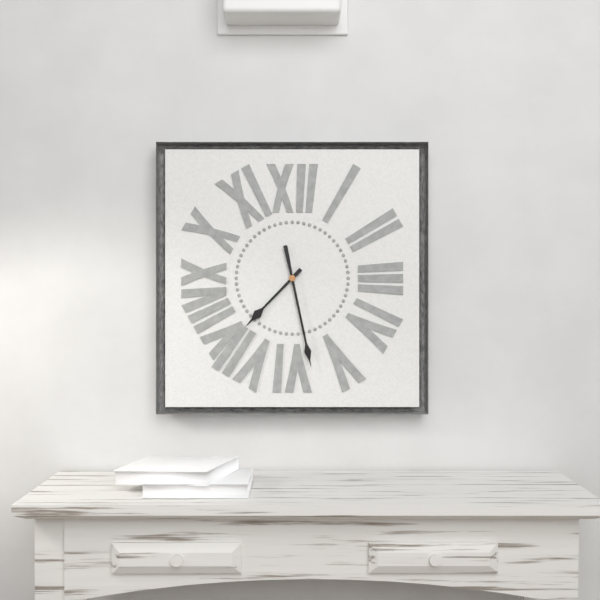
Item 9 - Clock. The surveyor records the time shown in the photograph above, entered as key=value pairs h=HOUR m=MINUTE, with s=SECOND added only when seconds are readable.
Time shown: h=7 m=28
